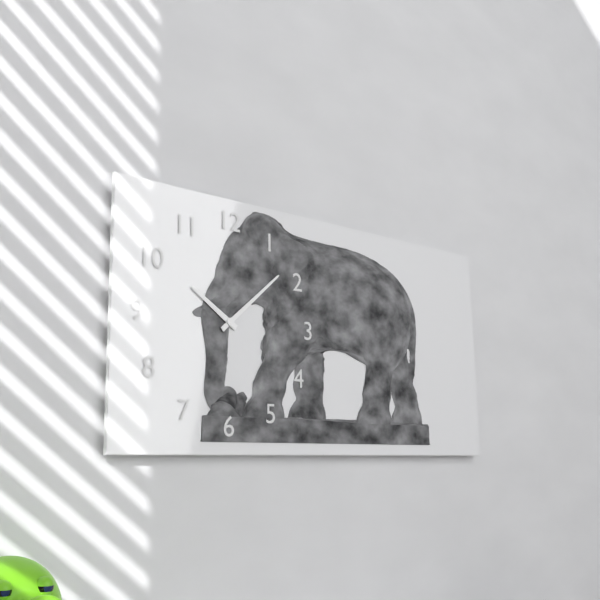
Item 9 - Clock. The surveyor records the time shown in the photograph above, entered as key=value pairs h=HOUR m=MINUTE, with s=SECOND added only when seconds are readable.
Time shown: h=10 m=8
